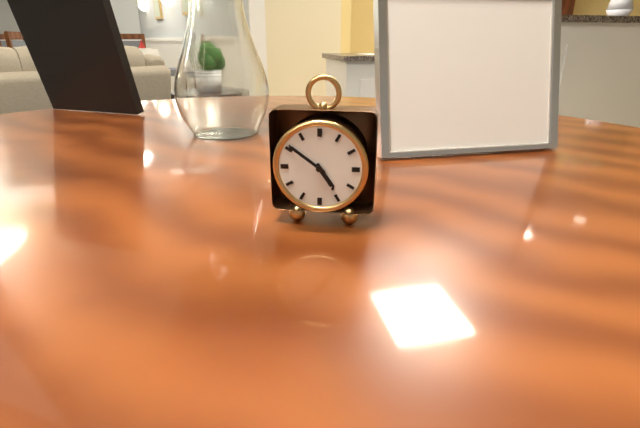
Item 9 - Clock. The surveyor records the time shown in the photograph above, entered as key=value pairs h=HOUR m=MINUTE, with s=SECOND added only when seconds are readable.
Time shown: h=4 m=51
